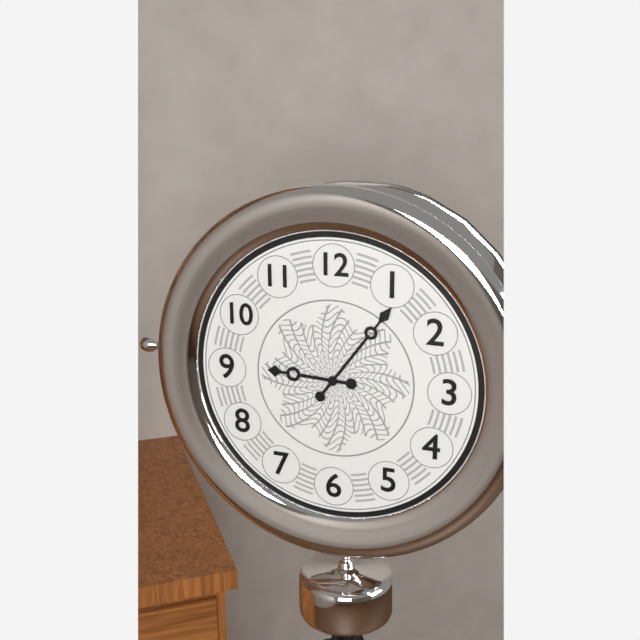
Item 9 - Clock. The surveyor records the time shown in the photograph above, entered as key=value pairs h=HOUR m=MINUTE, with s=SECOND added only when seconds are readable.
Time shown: h=9 m=6
